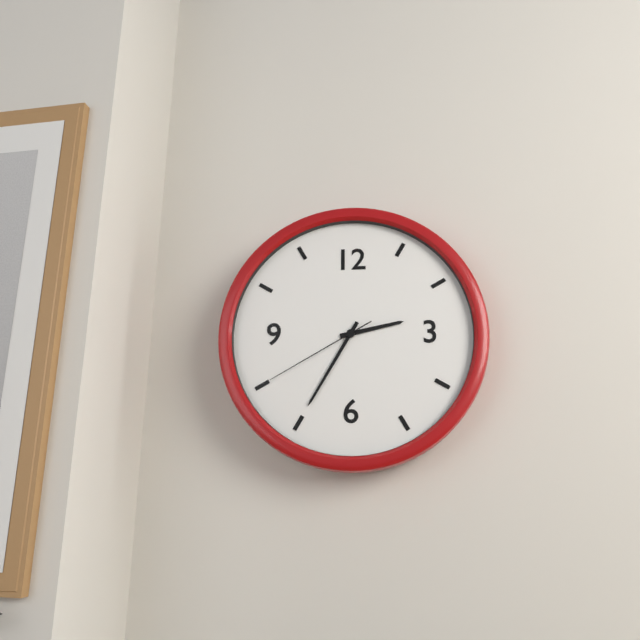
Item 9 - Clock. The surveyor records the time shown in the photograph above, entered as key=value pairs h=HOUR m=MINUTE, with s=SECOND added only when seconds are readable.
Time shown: h=2 m=35 s=40
